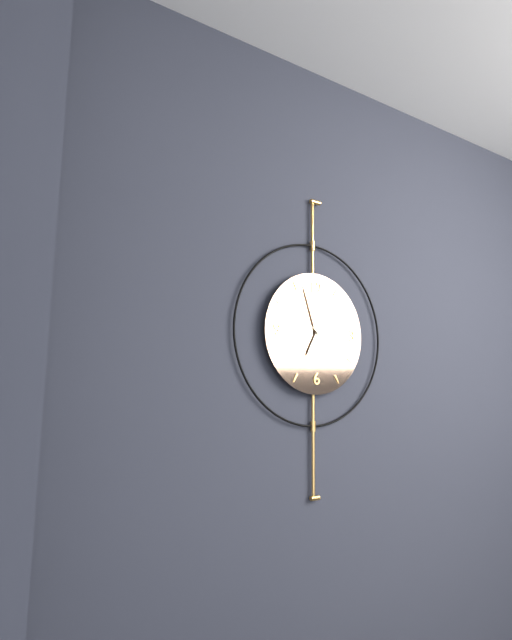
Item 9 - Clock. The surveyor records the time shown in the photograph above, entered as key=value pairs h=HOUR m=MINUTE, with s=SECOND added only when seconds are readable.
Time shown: h=6 m=57 s=51
